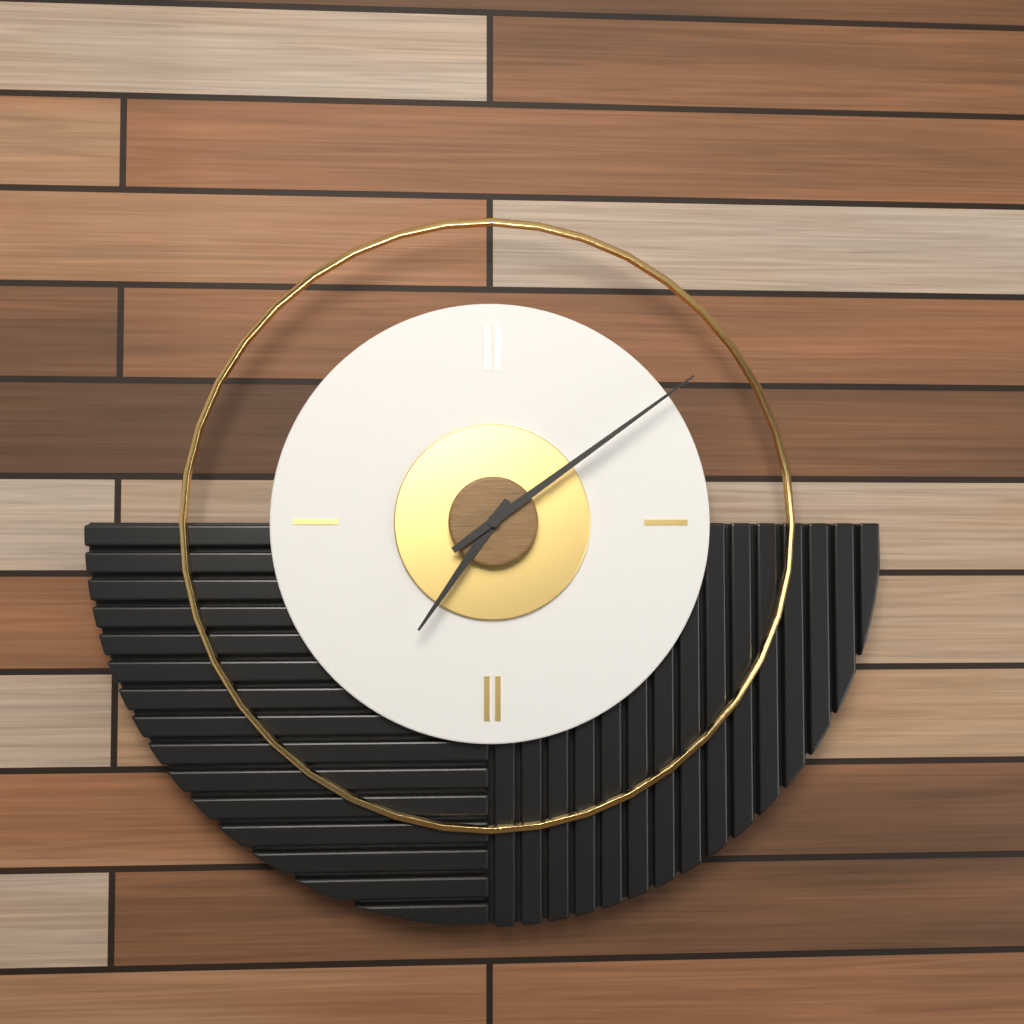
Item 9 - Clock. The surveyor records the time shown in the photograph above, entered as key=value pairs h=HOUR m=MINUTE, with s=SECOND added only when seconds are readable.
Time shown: h=7 m=9
